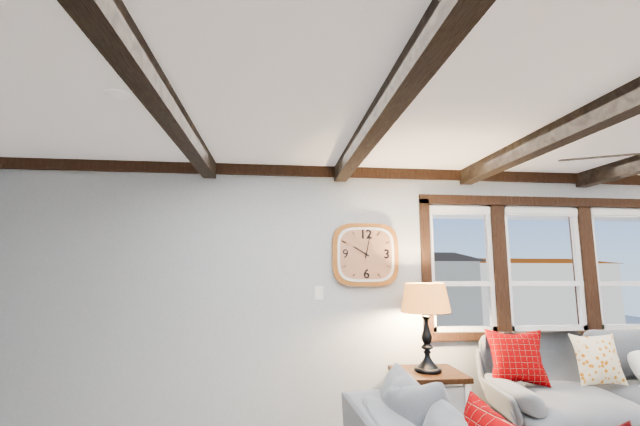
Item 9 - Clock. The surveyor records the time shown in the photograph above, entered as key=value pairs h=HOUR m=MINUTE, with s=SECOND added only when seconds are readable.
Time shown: h=10 m=2
